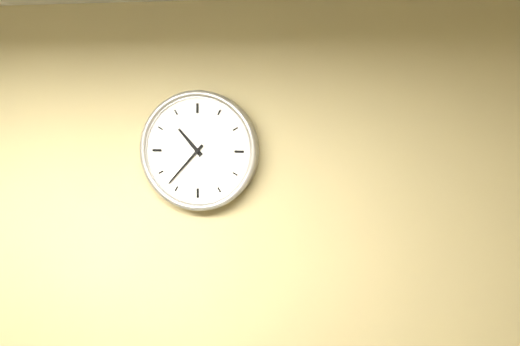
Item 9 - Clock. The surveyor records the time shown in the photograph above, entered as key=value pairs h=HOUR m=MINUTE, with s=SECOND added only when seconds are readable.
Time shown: h=10 m=37
